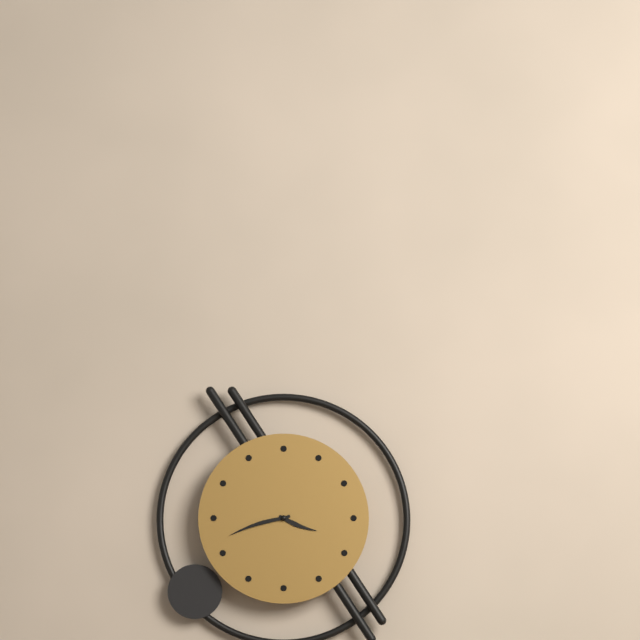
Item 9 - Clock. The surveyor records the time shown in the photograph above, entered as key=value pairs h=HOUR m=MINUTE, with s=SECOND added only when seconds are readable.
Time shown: h=3 m=42
